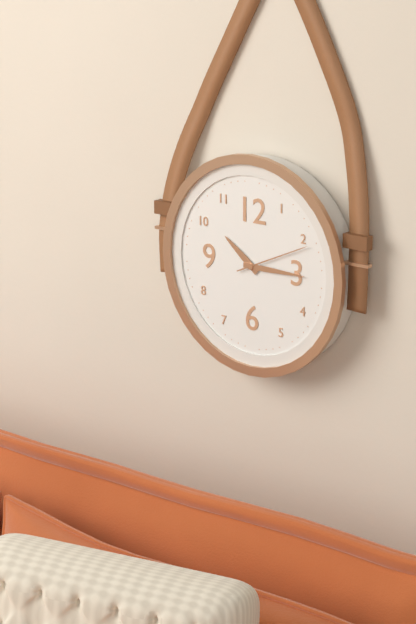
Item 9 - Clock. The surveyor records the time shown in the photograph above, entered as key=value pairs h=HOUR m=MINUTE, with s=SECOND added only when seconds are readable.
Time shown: h=10 m=15 s=11
